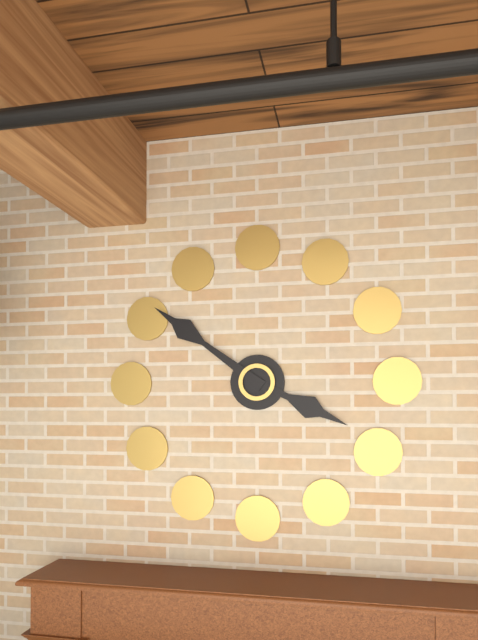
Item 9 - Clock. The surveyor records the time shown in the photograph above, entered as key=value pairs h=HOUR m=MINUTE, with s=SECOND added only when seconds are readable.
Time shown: h=3 m=51
